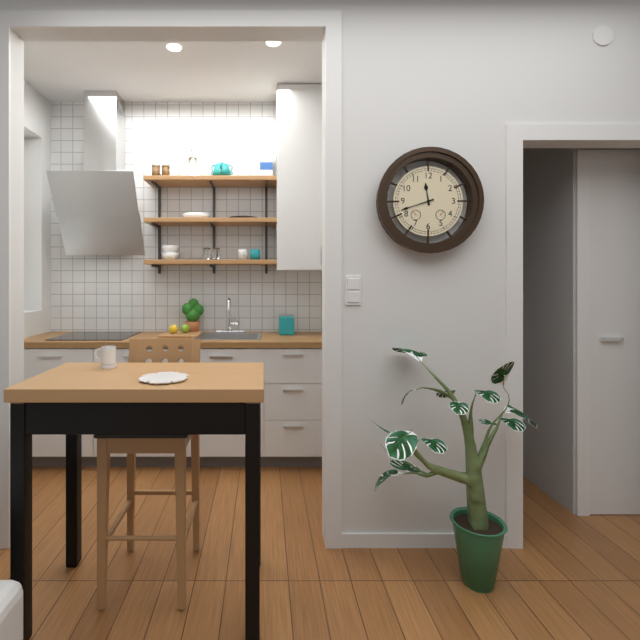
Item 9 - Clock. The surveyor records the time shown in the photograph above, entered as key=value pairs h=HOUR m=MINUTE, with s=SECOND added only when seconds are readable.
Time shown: h=11 m=42
